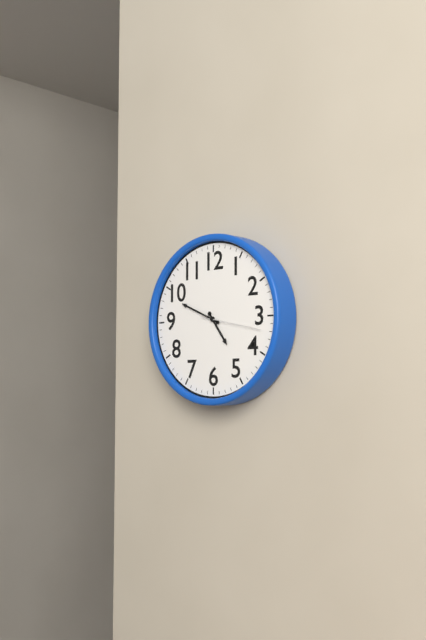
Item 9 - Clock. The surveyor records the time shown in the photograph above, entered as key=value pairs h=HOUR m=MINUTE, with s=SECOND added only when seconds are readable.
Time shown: h=4 m=49 s=17
